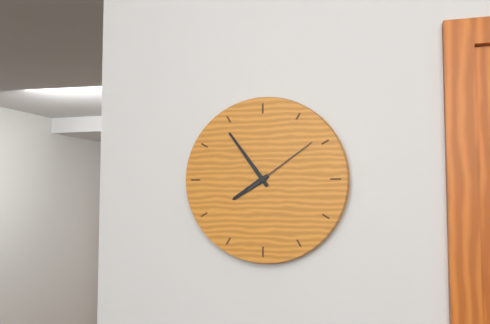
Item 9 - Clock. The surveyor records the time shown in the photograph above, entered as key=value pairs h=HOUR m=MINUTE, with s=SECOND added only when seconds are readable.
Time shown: h=7 m=54 s=9
